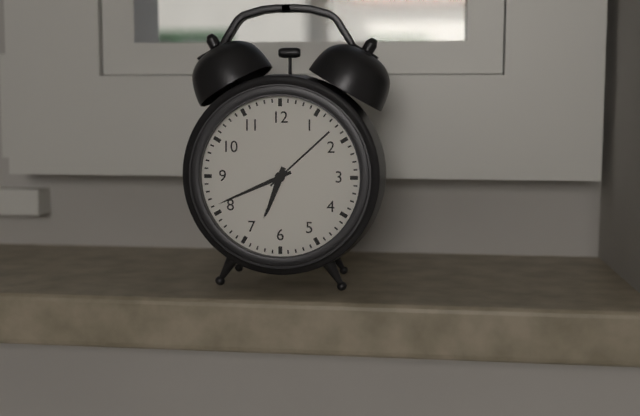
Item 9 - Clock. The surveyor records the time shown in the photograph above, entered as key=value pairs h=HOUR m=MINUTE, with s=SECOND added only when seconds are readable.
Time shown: h=6 m=41
